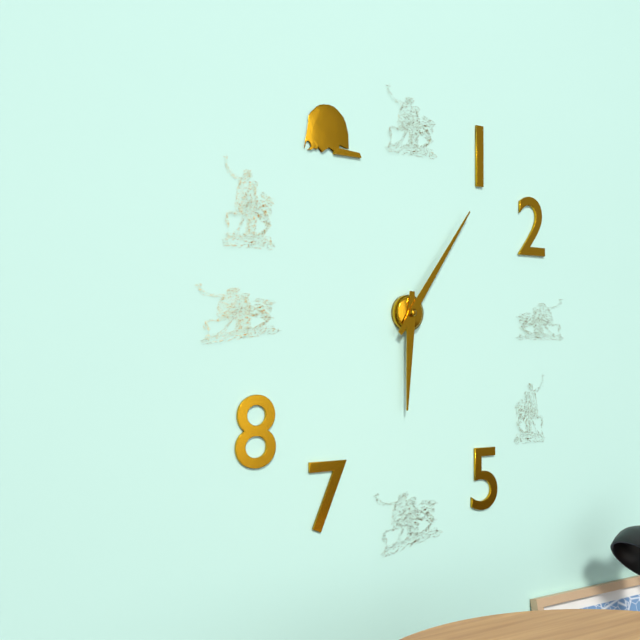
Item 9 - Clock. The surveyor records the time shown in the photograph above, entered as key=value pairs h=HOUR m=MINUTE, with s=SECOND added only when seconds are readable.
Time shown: h=6 m=6
